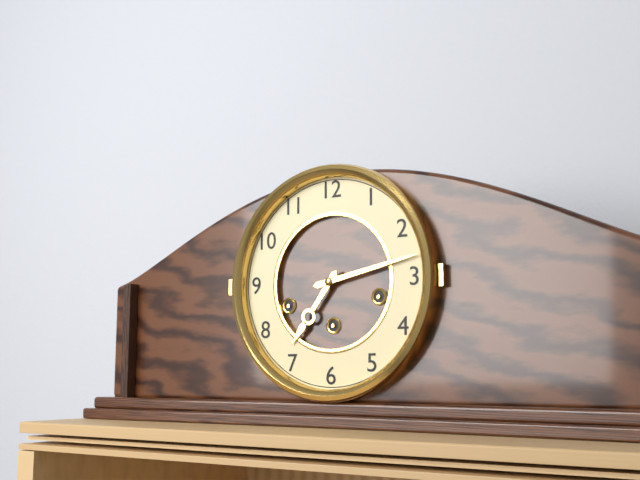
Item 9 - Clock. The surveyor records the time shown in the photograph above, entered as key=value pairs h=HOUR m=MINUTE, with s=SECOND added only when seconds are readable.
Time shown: h=7 m=13
